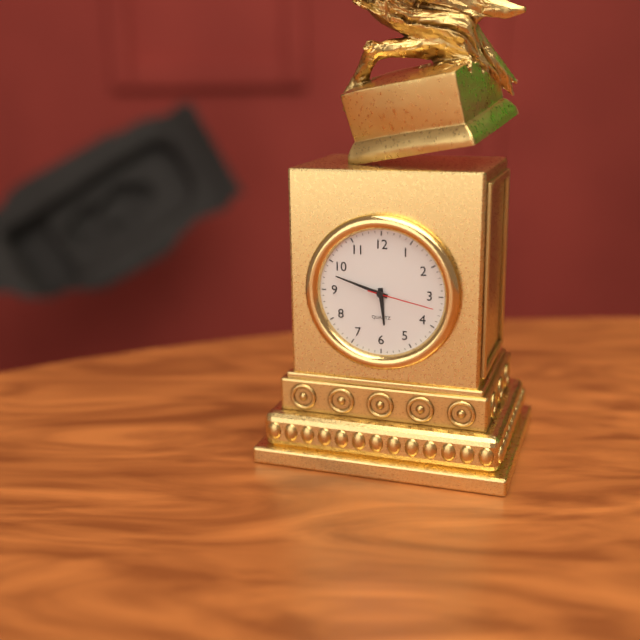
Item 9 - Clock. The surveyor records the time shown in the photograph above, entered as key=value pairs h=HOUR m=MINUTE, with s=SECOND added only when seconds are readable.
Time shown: h=5 m=48 s=17
